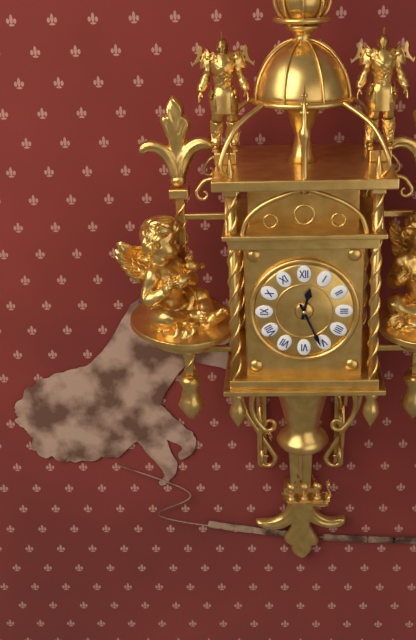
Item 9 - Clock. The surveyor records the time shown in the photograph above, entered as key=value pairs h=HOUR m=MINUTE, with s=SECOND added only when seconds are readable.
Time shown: h=12 m=26
